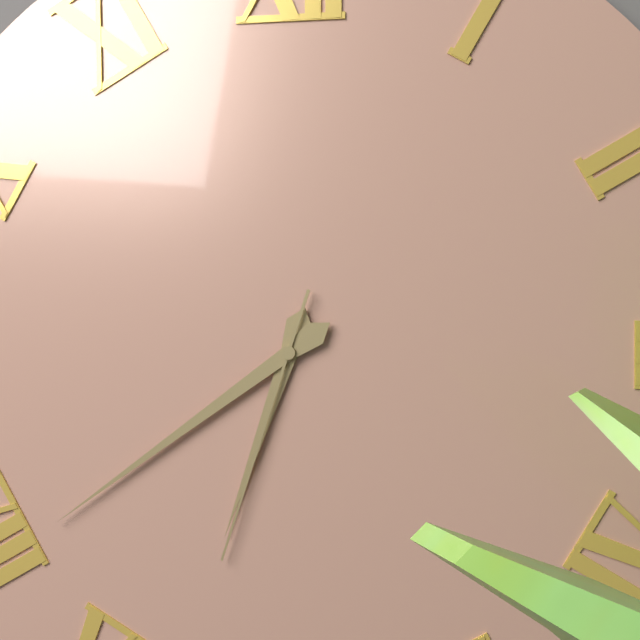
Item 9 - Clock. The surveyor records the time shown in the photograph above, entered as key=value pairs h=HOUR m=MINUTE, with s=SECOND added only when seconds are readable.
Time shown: h=6 m=39 s=33
